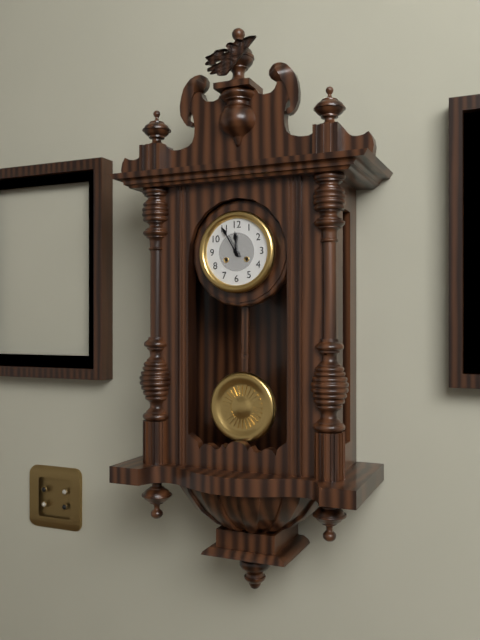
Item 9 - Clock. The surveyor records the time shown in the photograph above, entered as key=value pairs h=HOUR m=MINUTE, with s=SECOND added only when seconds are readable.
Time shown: h=11 m=55
